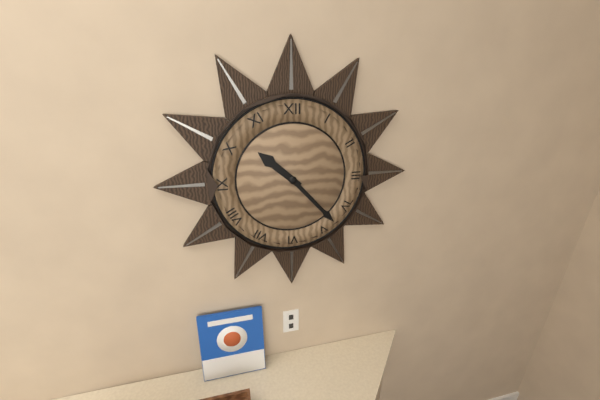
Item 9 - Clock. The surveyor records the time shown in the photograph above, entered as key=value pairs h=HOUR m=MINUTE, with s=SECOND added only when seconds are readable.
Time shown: h=10 m=23
